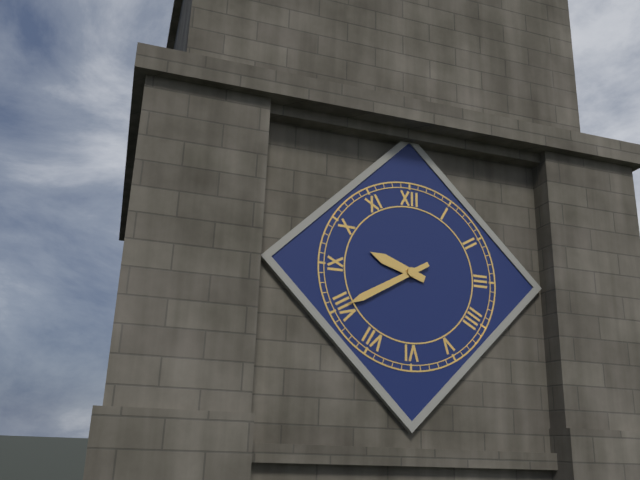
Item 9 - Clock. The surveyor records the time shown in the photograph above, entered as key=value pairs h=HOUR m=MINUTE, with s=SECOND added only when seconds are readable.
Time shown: h=9 m=40
